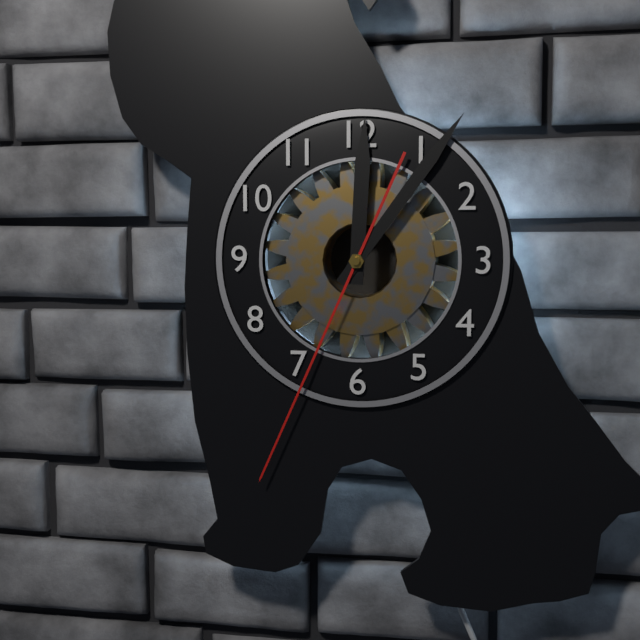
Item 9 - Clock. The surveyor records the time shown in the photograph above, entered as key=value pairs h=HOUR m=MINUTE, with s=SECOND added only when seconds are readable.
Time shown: h=12 m=6 s=34
